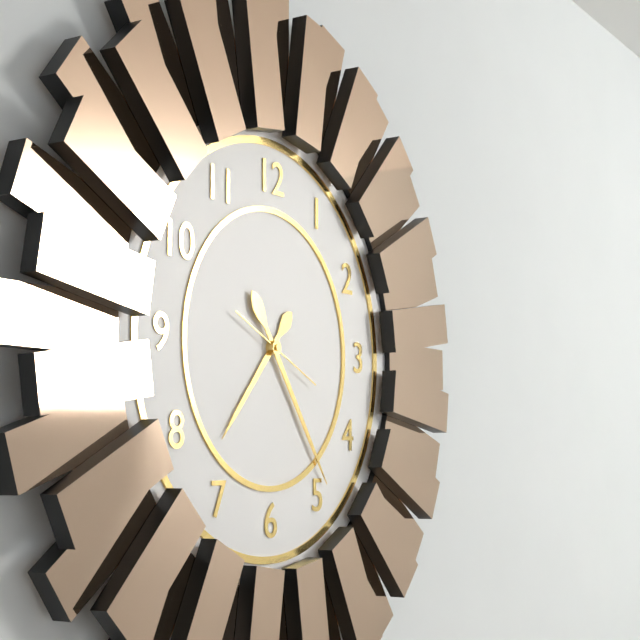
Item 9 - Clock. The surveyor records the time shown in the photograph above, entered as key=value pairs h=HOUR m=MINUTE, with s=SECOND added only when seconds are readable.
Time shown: h=7 m=24 s=19
